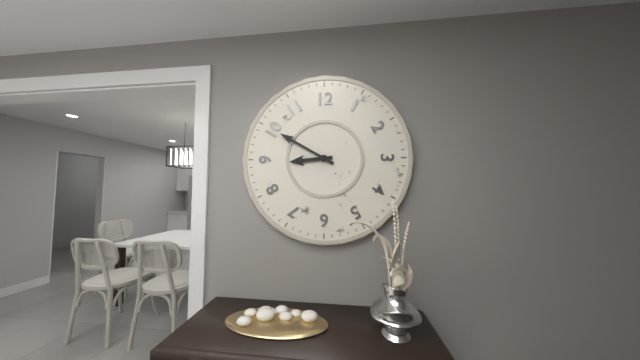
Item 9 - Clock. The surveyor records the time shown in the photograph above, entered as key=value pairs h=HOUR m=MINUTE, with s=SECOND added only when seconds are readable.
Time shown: h=8 m=50
